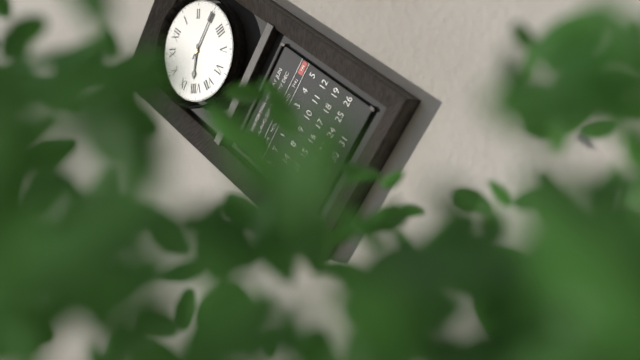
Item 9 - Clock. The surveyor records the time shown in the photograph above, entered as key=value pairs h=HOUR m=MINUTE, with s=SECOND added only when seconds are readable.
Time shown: h=8 m=15
